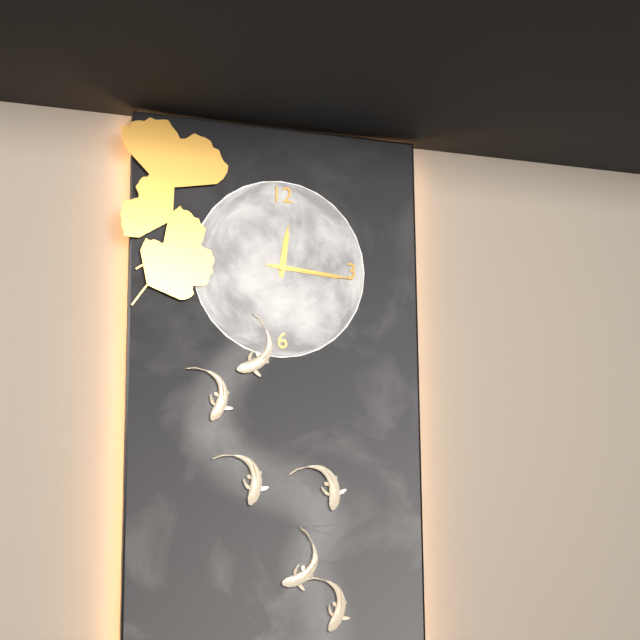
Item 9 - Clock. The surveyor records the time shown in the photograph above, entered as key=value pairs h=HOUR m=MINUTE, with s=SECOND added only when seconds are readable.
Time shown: h=12 m=16 s=16
